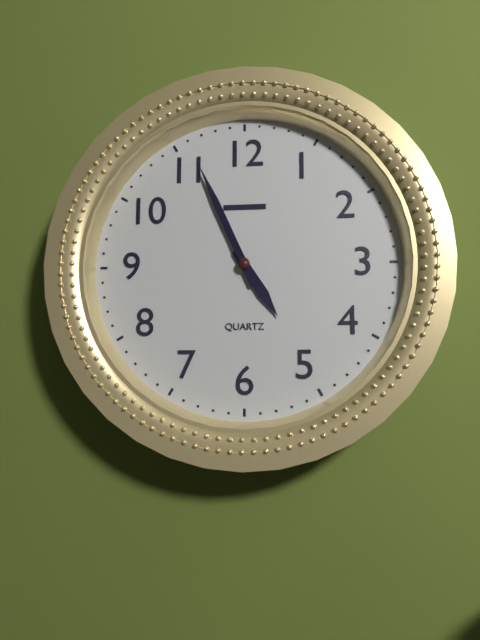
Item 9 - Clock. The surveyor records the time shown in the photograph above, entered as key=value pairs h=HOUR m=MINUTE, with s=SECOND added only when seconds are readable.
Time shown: h=4 m=56
